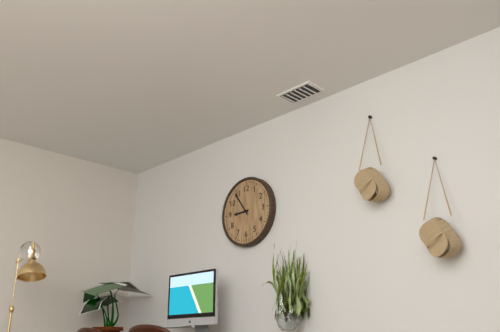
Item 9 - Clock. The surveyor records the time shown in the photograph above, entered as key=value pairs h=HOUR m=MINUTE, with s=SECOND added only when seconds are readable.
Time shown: h=8 m=54
